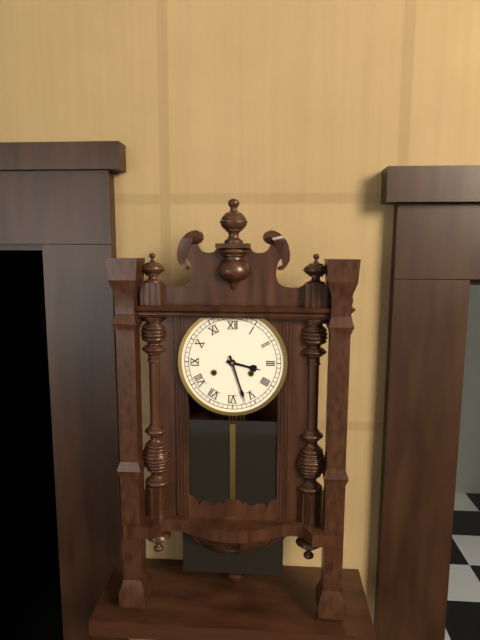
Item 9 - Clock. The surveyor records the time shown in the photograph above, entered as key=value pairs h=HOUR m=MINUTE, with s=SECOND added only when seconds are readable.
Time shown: h=3 m=27
